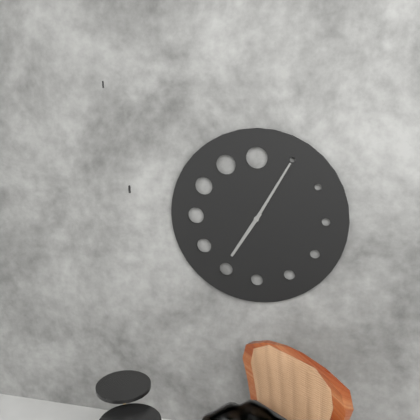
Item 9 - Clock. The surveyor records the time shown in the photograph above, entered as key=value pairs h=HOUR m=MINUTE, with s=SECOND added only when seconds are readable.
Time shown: h=7 m=5
